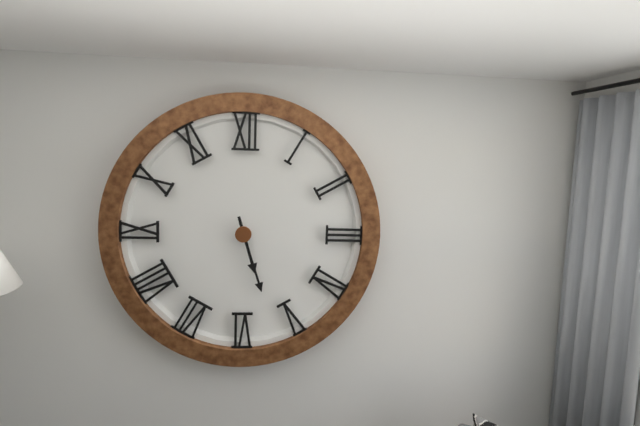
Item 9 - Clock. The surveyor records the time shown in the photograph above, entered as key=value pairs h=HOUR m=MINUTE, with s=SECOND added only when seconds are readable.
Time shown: h=5 m=27
